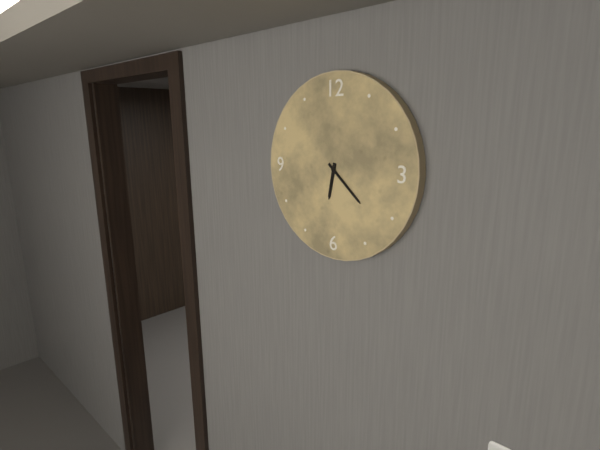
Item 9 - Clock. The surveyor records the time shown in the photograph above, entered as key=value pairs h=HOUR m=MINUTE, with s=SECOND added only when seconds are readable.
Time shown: h=6 m=22
